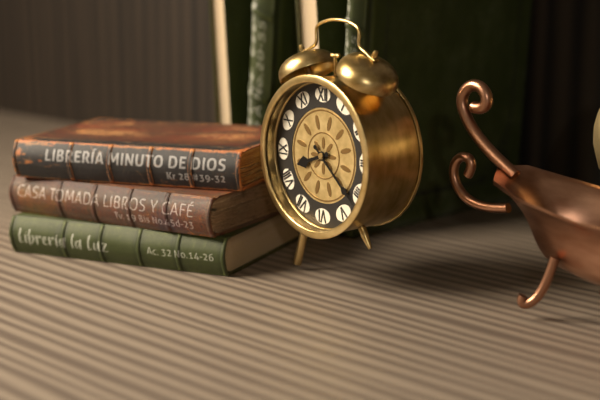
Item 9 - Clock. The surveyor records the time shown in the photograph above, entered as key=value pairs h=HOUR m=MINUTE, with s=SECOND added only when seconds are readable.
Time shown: h=8 m=22
